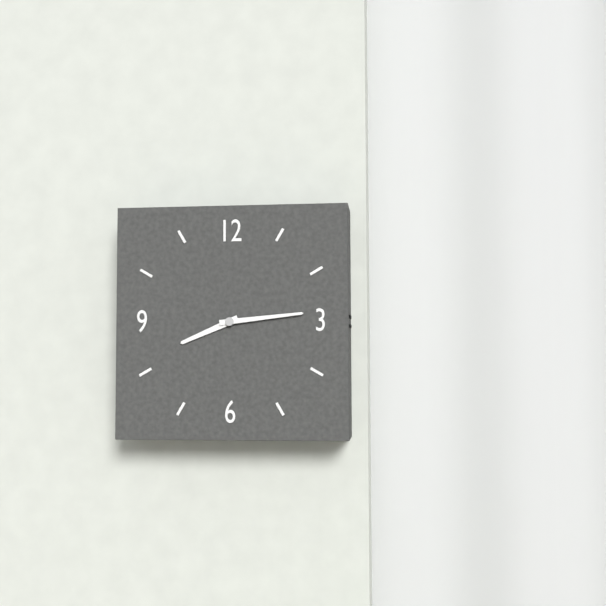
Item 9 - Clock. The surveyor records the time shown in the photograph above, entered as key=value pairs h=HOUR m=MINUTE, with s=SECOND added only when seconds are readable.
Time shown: h=8 m=14
